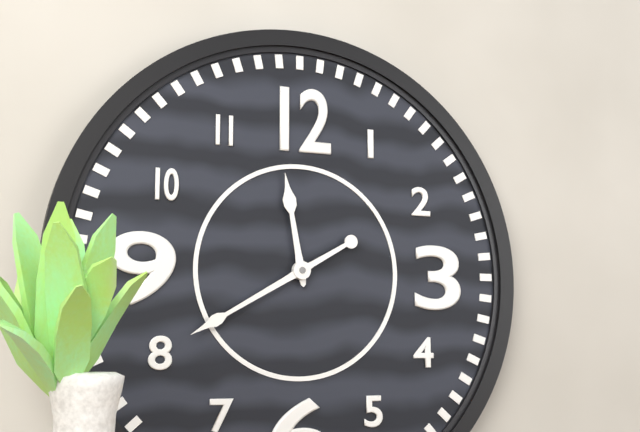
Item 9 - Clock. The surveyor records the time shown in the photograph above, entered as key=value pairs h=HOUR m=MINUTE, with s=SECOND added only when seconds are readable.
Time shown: h=11 m=40
